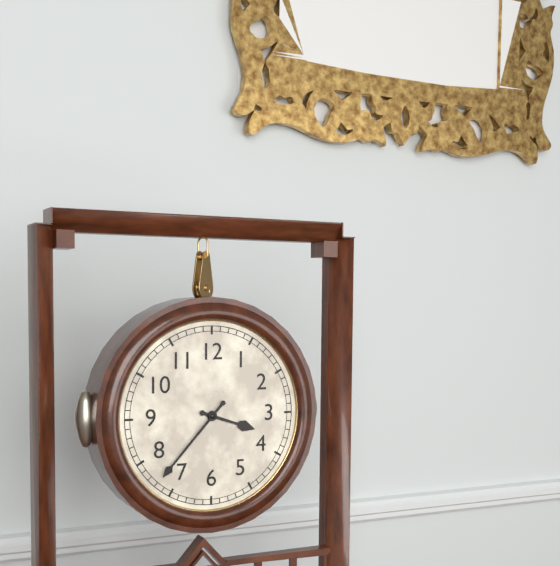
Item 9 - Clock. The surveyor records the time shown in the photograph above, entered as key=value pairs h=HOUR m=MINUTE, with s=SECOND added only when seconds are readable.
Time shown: h=3 m=37
